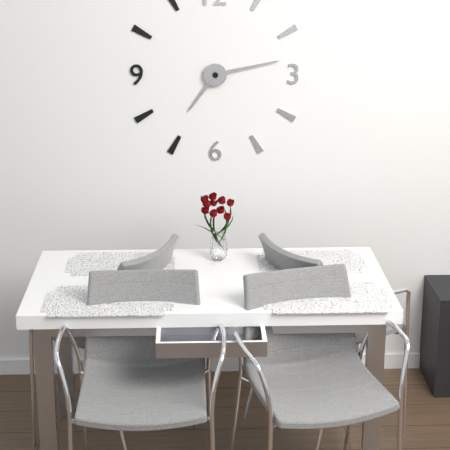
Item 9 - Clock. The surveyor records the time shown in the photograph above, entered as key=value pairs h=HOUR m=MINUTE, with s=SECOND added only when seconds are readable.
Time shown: h=7 m=13
